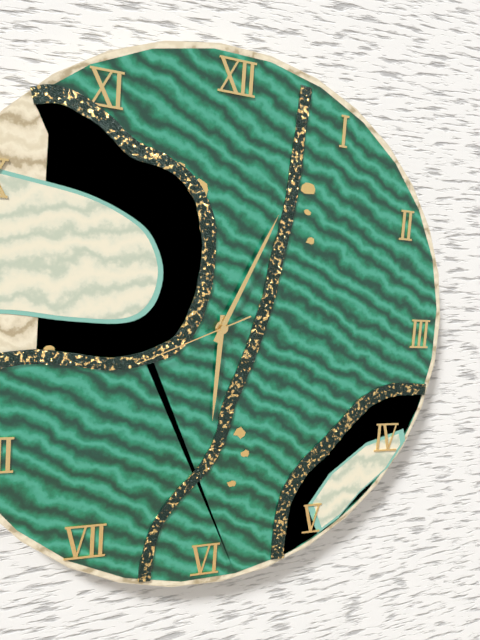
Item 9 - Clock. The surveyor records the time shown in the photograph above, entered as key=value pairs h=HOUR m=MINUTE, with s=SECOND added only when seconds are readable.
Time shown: h=6 m=4 s=41
